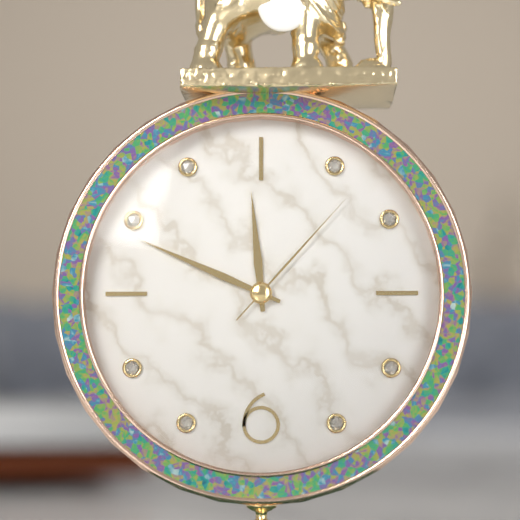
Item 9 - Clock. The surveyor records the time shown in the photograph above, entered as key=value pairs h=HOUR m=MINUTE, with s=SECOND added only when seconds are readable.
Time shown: h=11 m=49 s=7
